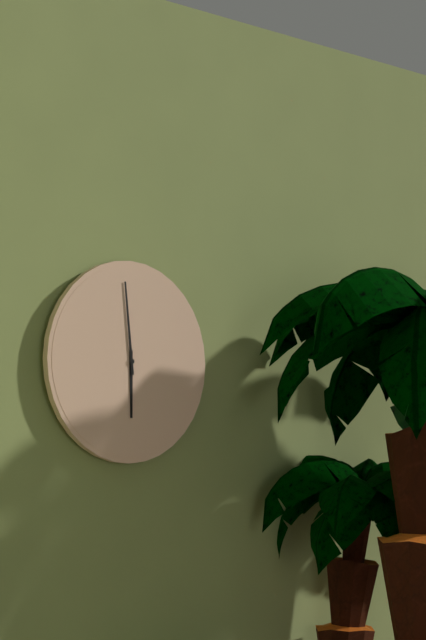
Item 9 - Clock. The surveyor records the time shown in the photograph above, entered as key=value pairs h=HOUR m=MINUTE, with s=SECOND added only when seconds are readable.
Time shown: h=5 m=59
